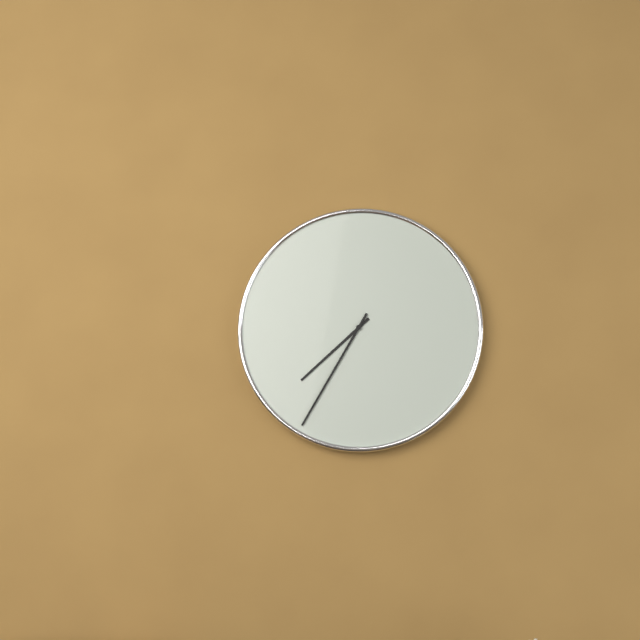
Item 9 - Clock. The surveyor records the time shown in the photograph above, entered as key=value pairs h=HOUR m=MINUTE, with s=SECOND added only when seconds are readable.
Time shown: h=7 m=35
